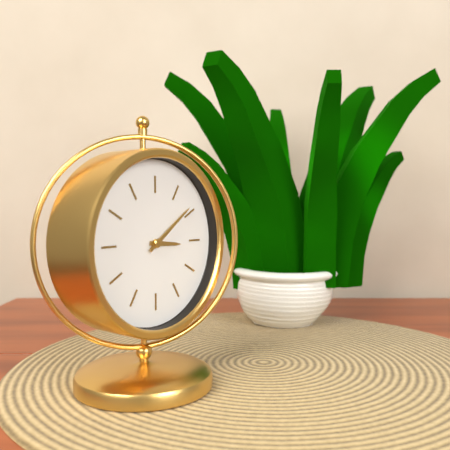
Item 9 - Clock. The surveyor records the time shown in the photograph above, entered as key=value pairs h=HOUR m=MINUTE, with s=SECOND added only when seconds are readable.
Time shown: h=3 m=9
